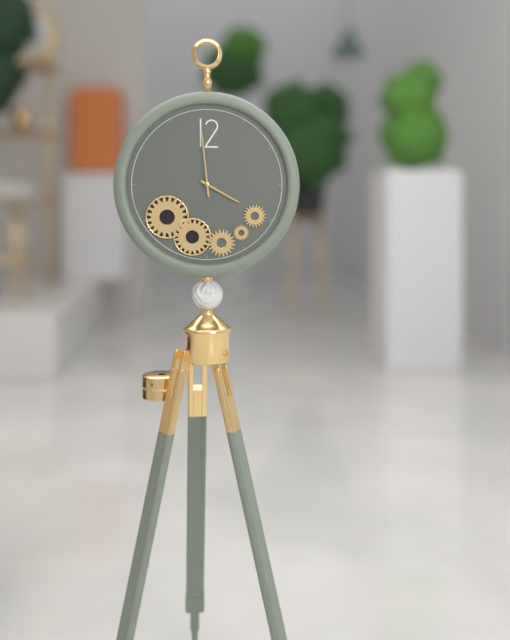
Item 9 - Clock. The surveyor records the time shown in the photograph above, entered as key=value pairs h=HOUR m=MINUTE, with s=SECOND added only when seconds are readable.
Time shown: h=3 m=59
